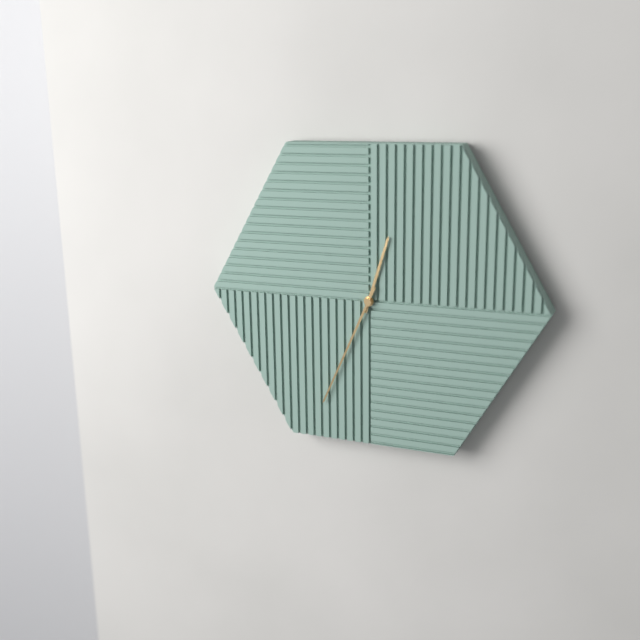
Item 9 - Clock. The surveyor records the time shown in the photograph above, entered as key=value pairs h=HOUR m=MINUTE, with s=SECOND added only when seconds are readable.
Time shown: h=12 m=34
